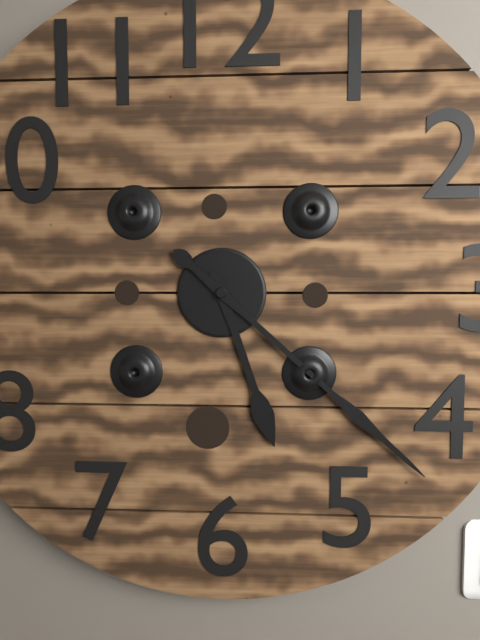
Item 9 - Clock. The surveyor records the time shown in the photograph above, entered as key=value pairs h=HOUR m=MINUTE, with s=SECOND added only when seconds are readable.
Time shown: h=5 m=22
